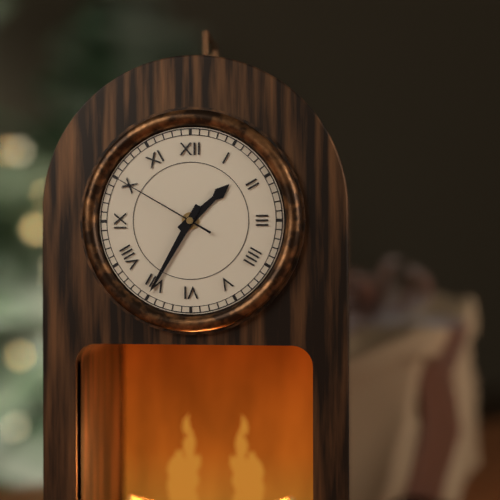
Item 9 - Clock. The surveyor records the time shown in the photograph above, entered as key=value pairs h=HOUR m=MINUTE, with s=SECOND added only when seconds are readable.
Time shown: h=1 m=35 s=50
